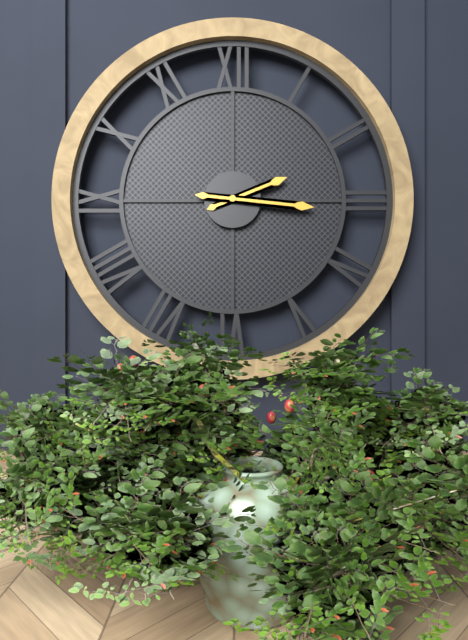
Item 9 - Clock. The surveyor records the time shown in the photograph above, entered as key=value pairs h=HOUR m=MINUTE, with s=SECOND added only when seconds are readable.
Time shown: h=2 m=16
